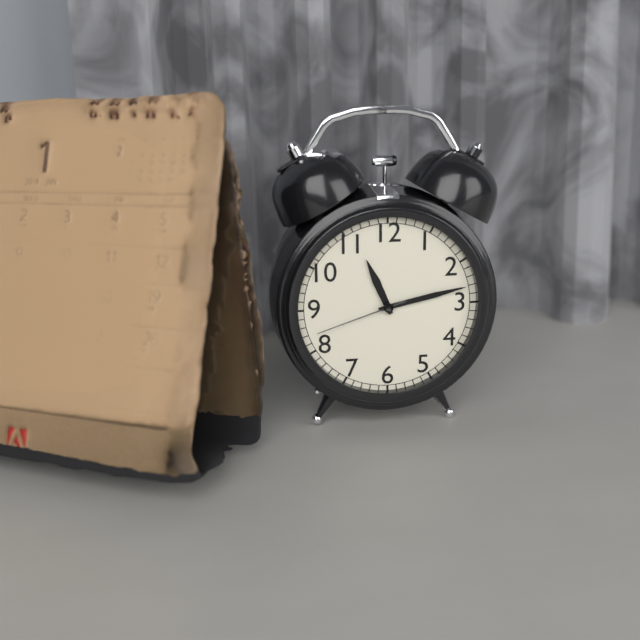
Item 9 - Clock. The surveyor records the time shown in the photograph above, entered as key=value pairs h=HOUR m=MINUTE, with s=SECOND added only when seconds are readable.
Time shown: h=11 m=13 s=42
